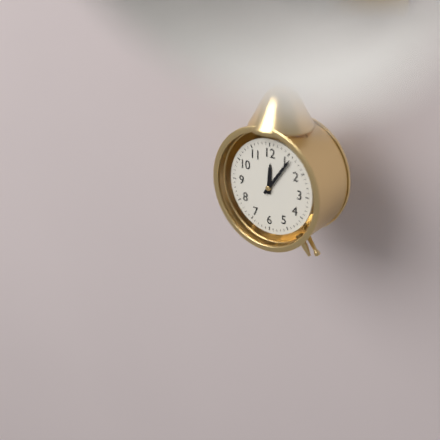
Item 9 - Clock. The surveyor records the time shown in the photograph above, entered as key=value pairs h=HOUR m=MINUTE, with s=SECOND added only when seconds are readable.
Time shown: h=12 m=6
